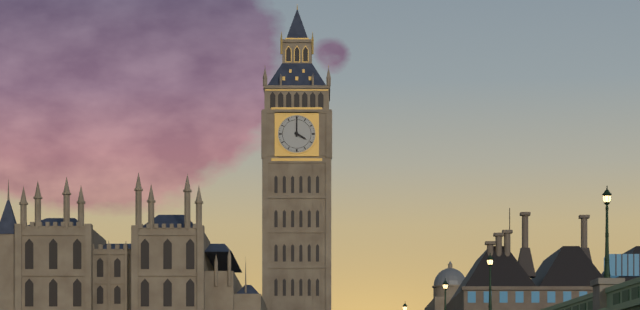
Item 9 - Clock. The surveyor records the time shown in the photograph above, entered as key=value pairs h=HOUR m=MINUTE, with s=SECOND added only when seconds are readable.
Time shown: h=4 m=0
